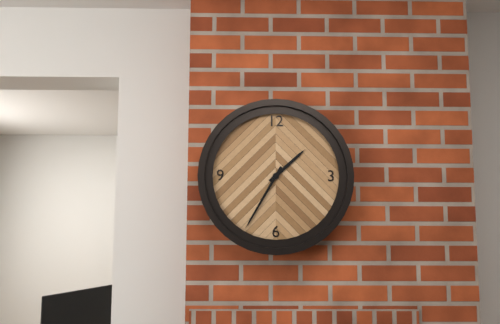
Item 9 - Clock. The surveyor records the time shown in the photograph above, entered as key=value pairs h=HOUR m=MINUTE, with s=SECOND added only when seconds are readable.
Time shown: h=1 m=35
